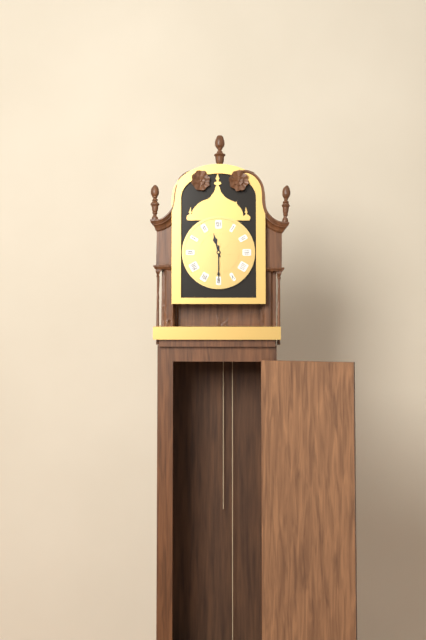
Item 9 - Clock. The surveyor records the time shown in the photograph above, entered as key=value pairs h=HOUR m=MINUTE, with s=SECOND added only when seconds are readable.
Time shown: h=11 m=30
